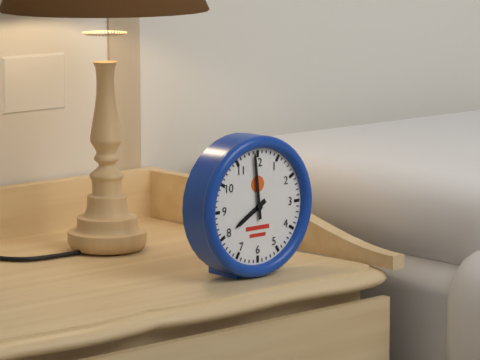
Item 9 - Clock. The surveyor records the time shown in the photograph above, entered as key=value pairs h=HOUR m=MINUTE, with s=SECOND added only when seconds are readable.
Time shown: h=7 m=59
